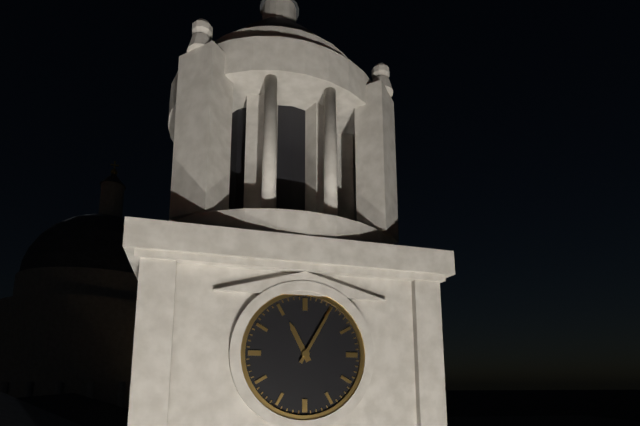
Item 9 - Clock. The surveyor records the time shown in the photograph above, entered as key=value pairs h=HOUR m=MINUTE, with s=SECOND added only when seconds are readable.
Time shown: h=11 m=5
